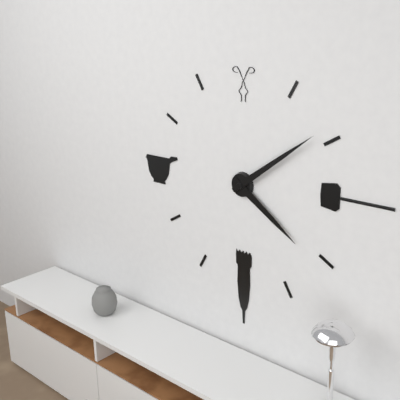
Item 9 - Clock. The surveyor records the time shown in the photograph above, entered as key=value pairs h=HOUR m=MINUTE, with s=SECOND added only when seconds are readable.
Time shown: h=4 m=9
